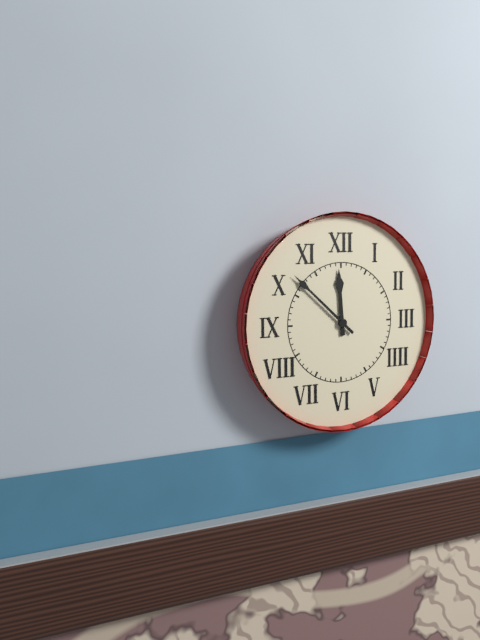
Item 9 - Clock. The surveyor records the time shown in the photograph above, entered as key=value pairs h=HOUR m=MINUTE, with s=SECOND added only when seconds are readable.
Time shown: h=11 m=52
